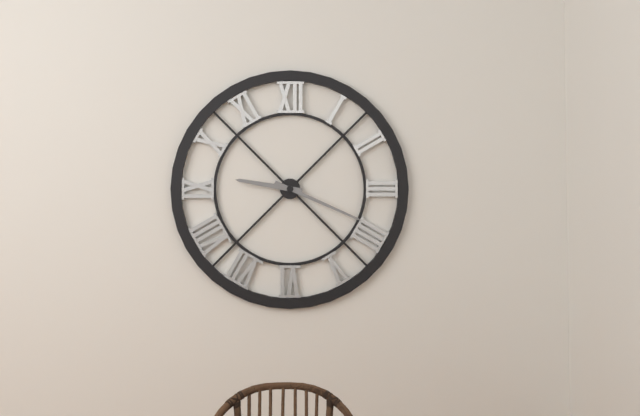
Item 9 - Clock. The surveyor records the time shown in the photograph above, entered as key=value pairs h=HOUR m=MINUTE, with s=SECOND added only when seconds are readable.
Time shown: h=9 m=19
